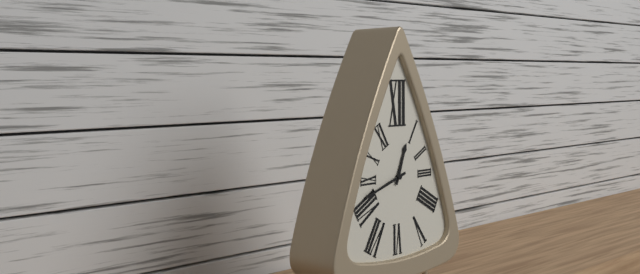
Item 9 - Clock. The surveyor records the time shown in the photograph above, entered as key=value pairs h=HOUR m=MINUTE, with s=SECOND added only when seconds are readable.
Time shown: h=12 m=42
